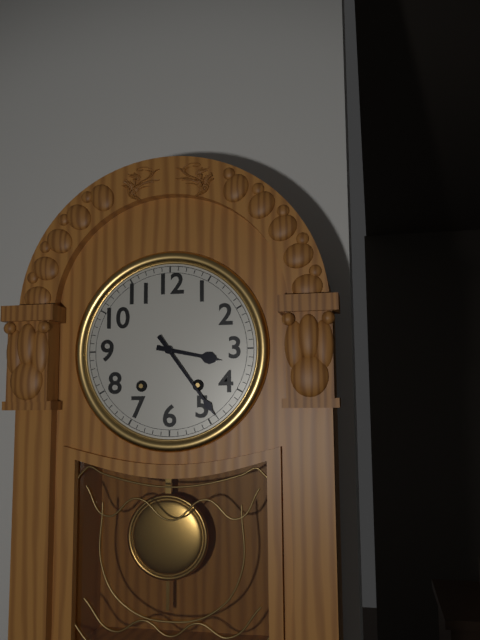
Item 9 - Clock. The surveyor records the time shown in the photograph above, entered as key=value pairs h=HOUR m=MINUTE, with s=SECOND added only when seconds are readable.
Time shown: h=3 m=24
